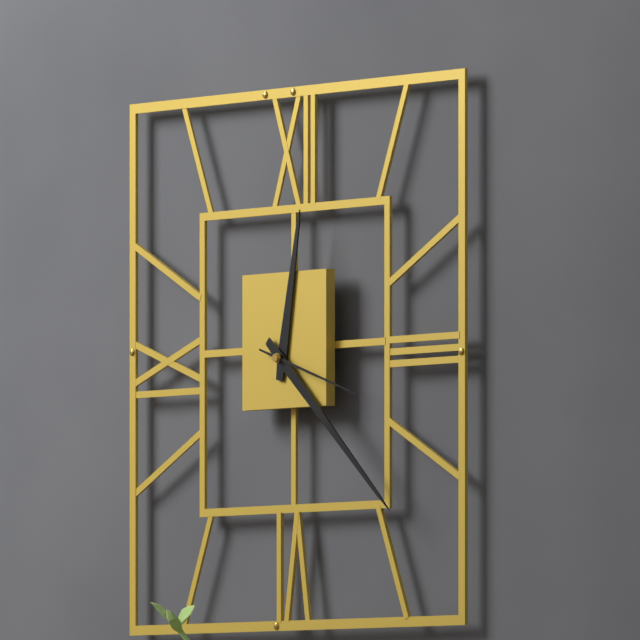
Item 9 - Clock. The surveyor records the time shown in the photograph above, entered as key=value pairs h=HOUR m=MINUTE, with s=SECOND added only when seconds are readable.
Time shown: h=12 m=22 s=18
